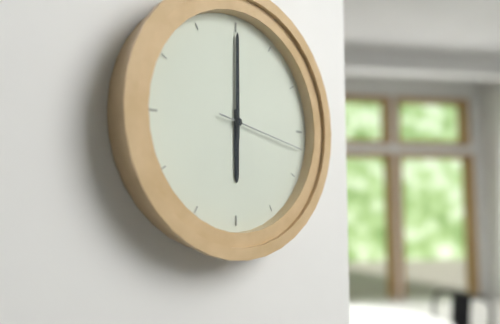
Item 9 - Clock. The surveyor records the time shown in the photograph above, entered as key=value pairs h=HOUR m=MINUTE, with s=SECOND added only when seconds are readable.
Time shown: h=6 m=0 s=17
